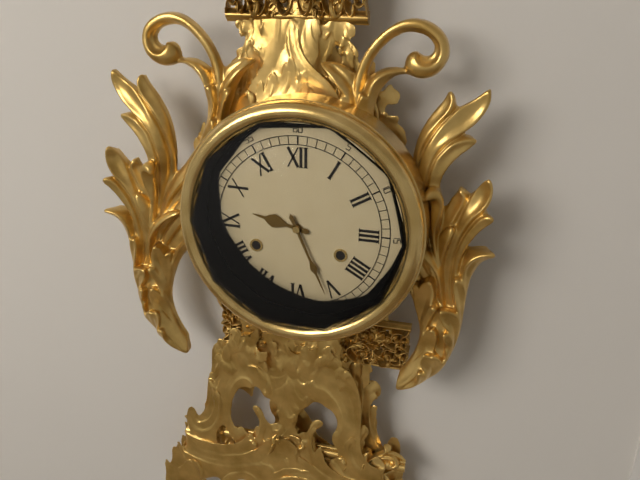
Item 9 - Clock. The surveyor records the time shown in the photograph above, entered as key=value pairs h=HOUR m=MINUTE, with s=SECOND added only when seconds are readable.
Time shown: h=9 m=26
